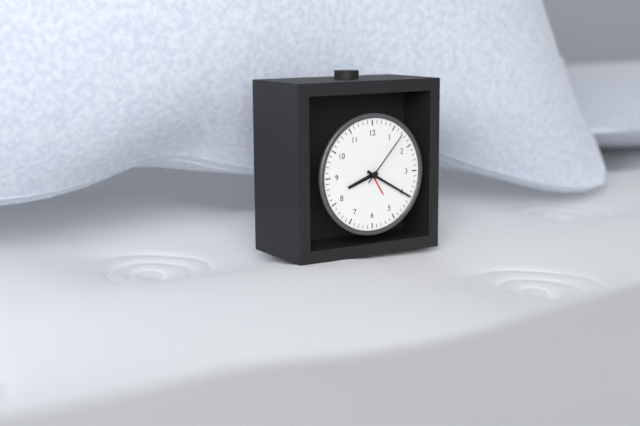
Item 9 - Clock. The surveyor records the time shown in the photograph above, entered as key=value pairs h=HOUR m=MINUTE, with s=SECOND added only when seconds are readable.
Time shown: h=8 m=20 s=7
